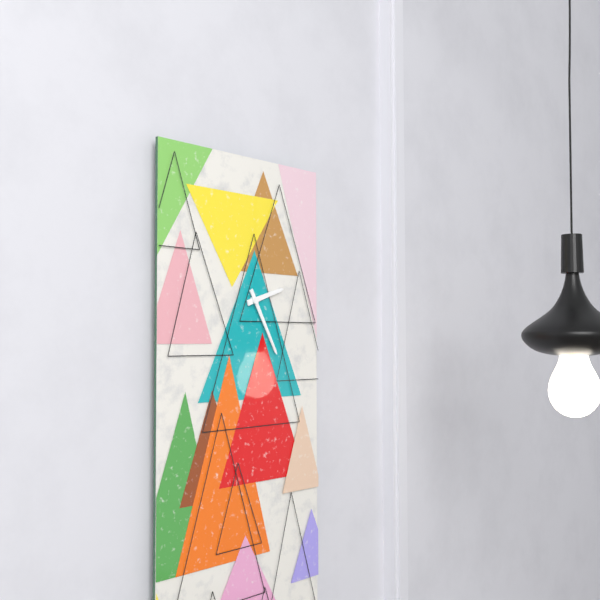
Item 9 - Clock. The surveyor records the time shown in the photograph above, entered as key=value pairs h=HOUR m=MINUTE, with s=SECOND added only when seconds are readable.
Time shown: h=2 m=25
